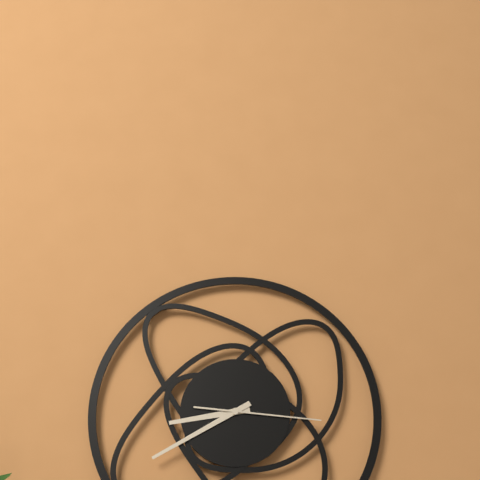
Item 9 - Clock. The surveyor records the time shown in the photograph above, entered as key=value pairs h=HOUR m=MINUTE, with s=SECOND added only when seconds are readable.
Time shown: h=8 m=40 s=16
